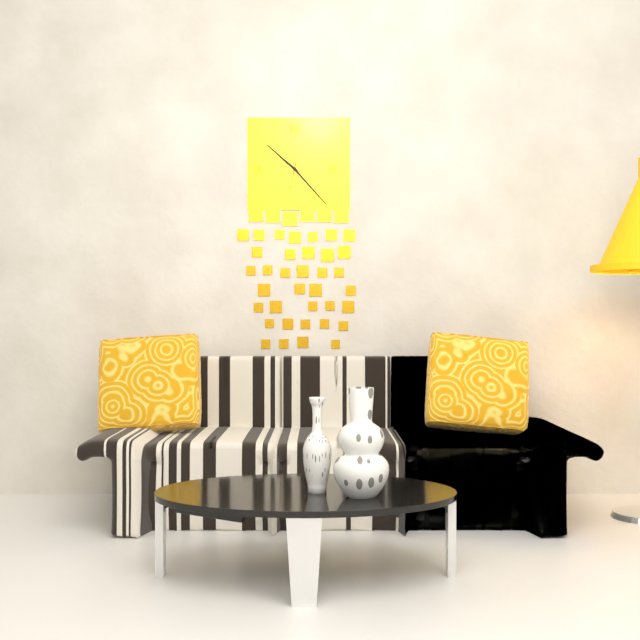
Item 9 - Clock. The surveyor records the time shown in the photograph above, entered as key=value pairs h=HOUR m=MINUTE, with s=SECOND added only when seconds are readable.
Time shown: h=10 m=23
